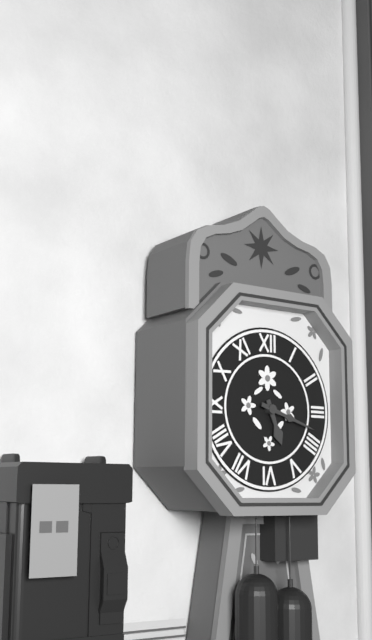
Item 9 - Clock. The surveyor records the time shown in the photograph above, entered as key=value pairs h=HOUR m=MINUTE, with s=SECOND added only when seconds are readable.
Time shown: h=5 m=18
